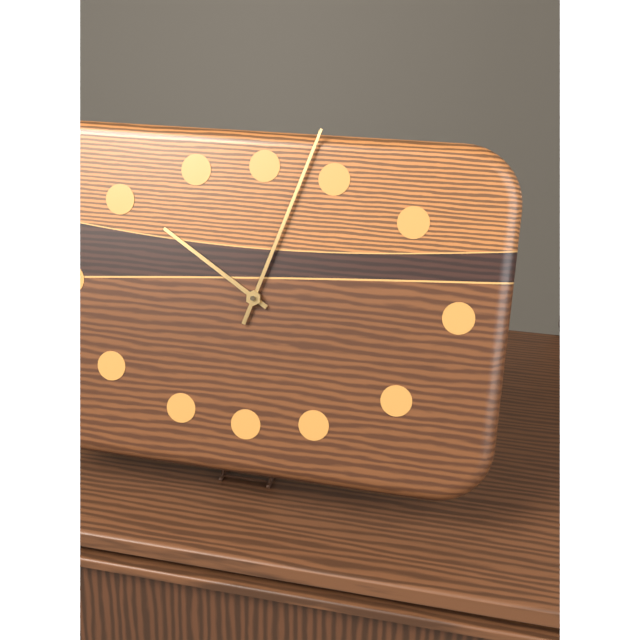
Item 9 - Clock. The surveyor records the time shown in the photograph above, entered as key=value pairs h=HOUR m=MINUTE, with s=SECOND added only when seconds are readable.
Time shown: h=10 m=3
